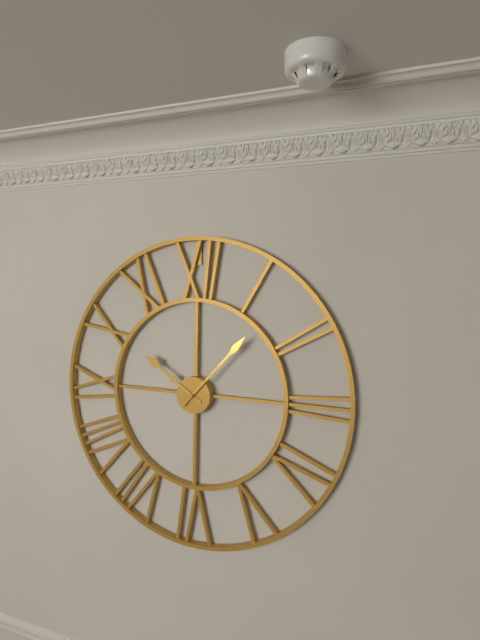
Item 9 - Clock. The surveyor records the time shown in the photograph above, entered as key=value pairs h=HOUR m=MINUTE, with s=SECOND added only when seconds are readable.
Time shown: h=10 m=7
